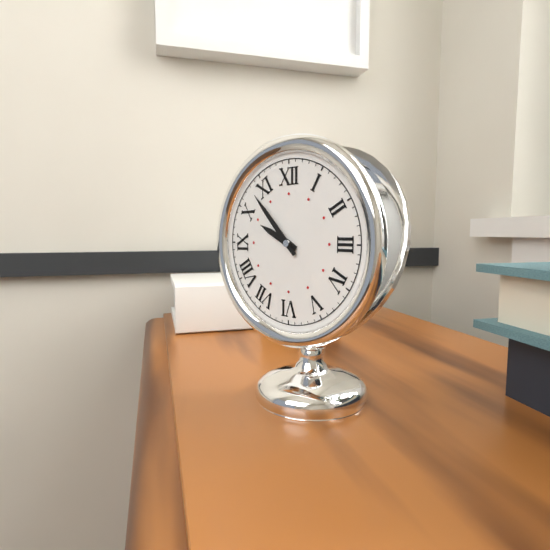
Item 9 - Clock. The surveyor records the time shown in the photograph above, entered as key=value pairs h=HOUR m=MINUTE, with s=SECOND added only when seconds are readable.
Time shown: h=9 m=53
